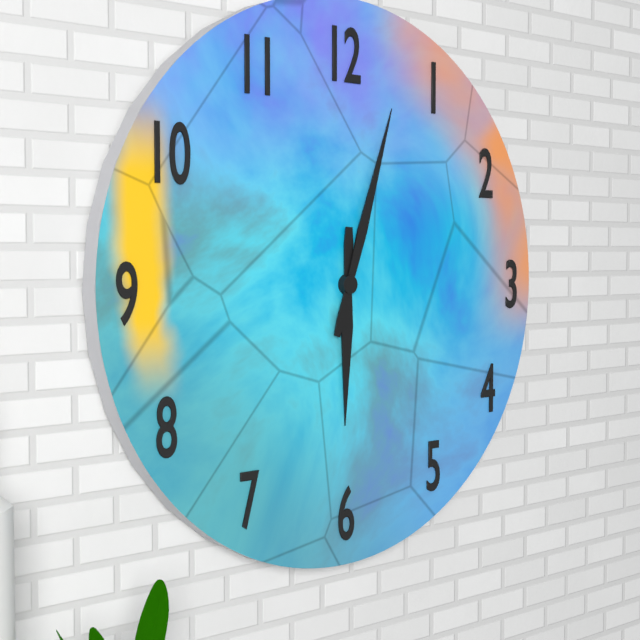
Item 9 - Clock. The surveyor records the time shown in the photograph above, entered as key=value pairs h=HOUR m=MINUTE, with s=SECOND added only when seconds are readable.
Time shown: h=6 m=3
